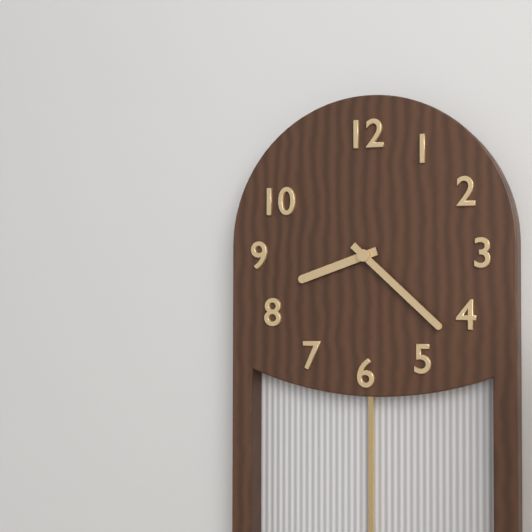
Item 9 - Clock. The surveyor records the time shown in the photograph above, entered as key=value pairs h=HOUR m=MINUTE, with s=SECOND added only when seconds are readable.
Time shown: h=8 m=22
